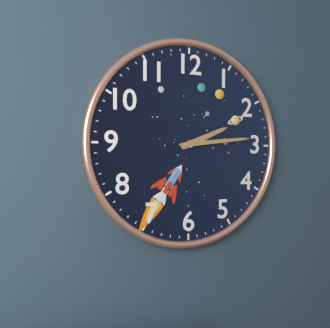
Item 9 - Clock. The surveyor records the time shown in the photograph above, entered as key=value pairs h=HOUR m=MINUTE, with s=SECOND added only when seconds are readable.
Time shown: h=2 m=14
